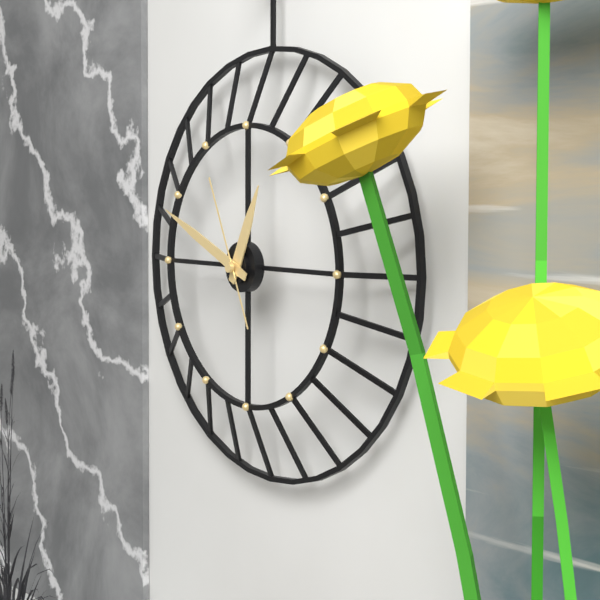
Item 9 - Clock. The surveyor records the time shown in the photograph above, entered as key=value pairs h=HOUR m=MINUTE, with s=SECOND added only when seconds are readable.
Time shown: h=12 m=49 s=56
